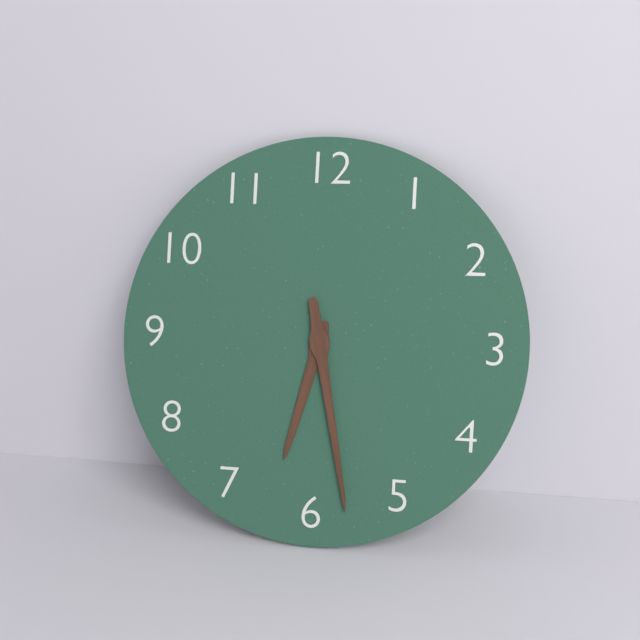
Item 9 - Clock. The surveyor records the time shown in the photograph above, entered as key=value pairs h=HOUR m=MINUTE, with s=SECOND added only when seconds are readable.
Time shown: h=6 m=28
